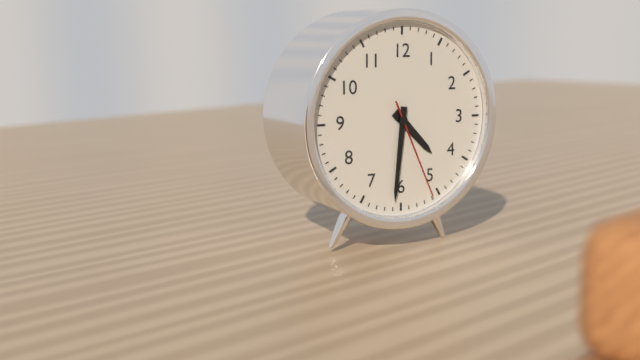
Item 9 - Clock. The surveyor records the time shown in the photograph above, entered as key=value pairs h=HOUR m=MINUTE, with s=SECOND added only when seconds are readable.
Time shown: h=4 m=31 s=26
